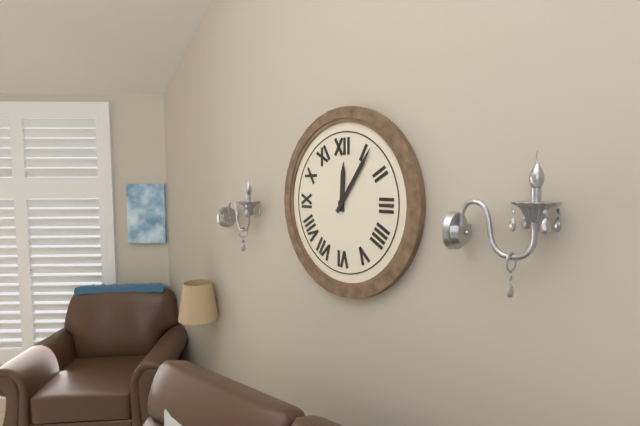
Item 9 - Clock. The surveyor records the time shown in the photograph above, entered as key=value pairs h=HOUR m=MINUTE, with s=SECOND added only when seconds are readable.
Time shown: h=12 m=6
